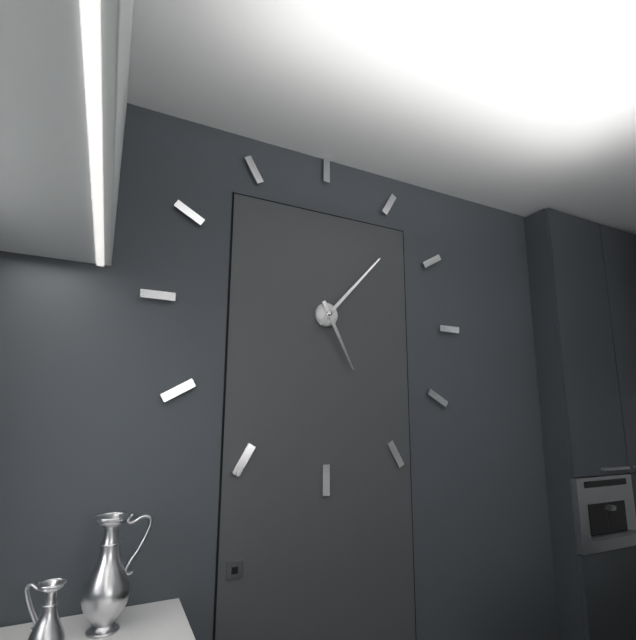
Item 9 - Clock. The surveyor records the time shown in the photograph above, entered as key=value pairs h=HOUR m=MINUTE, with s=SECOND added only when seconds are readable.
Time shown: h=5 m=7
